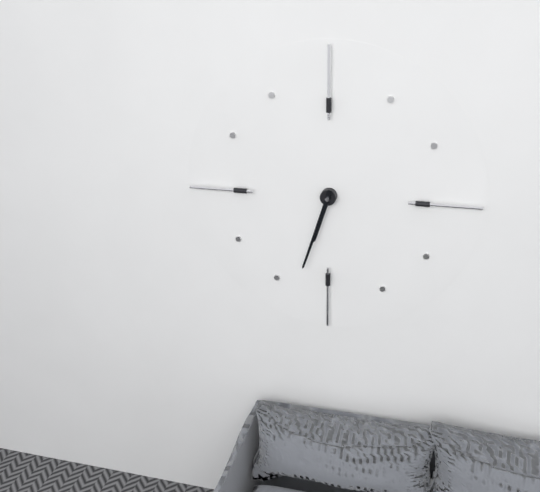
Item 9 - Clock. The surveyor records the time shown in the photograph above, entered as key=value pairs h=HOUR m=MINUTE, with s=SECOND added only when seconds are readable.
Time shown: h=6 m=33
